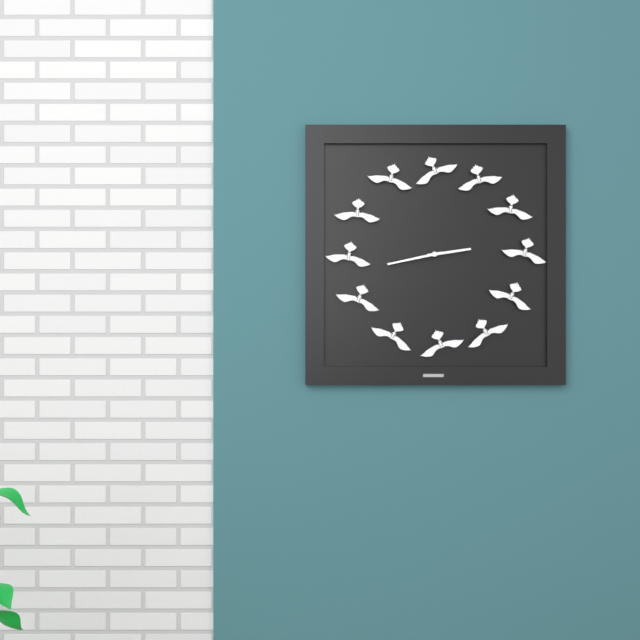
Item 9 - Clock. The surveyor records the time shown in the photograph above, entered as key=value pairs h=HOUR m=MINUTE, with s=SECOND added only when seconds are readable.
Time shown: h=2 m=43
